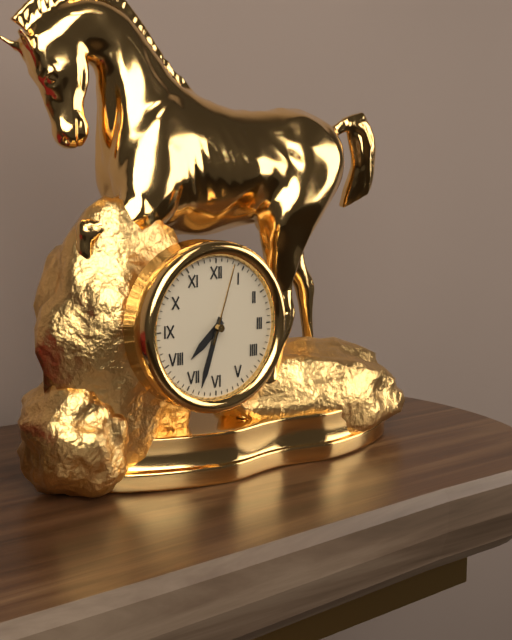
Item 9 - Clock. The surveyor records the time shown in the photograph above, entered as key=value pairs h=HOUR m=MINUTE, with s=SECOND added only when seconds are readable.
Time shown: h=7 m=33 s=3
